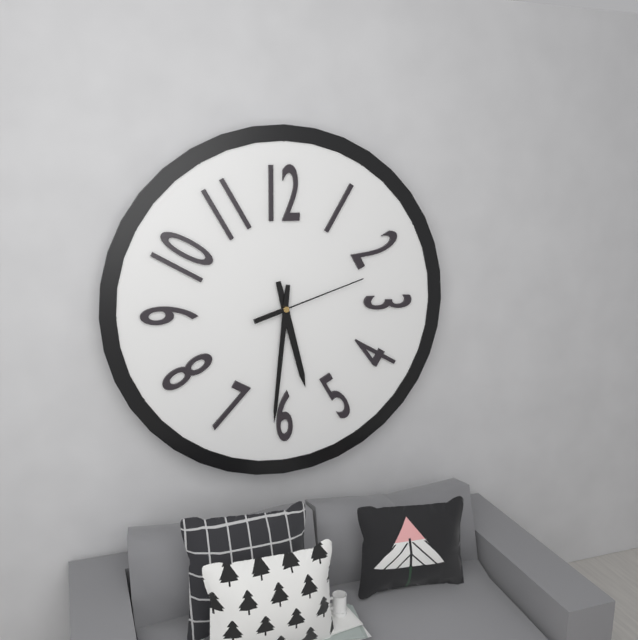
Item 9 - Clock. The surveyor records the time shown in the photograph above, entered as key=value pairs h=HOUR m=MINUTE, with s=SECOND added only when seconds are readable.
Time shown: h=5 m=31 s=12
